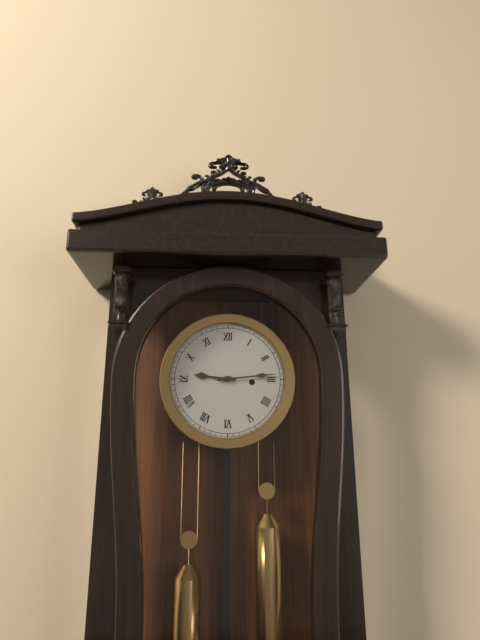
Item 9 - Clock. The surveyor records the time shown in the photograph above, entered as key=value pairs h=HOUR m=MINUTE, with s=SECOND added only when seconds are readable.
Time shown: h=9 m=14
